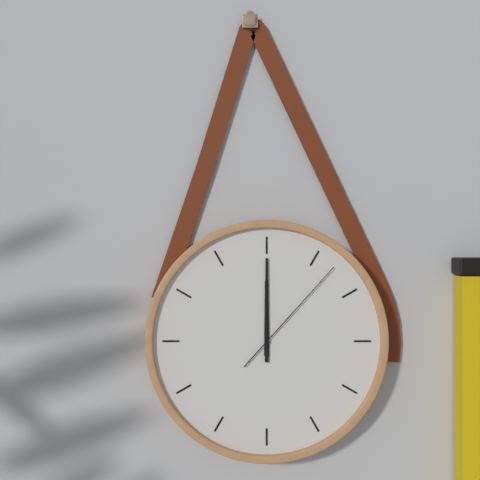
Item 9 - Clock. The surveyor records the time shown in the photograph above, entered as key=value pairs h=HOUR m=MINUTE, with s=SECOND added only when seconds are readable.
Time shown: h=12 m=0 s=7
